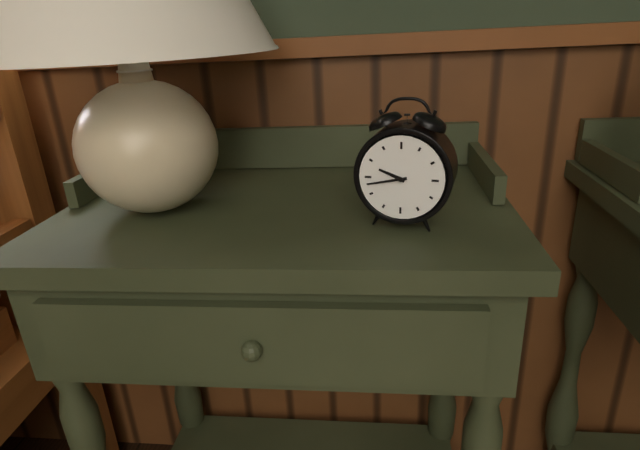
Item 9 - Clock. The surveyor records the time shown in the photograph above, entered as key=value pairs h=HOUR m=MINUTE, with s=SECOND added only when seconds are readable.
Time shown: h=9 m=43
